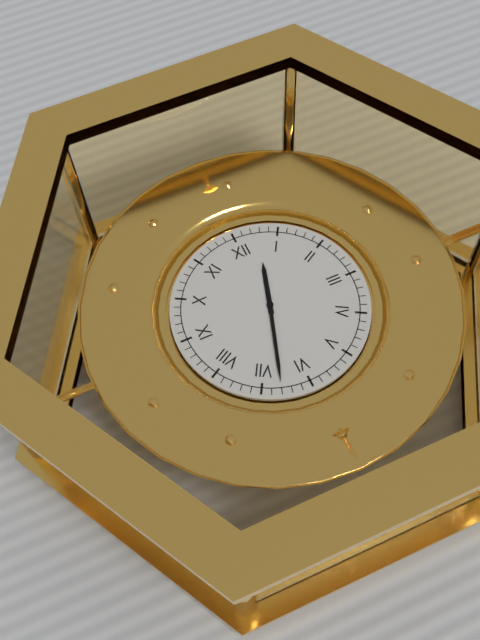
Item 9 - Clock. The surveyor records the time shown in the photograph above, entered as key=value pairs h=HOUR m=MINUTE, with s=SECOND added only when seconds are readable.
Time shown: h=12 m=33
